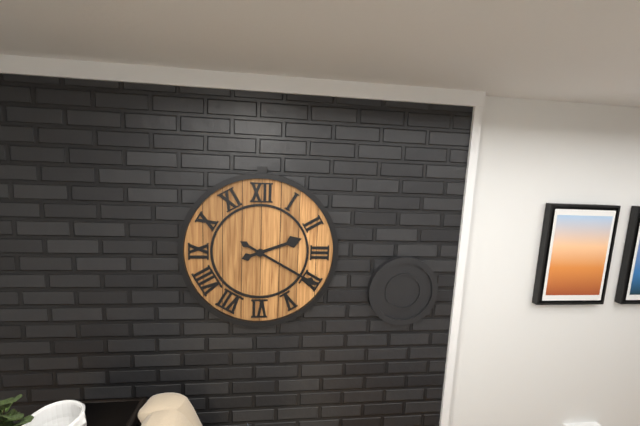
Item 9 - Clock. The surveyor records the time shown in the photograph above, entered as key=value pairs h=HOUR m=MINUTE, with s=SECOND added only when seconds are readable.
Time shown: h=2 m=20
